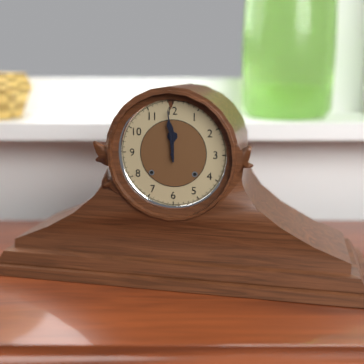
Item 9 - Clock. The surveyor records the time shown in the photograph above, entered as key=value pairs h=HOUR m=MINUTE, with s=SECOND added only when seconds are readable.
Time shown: h=11 m=59
